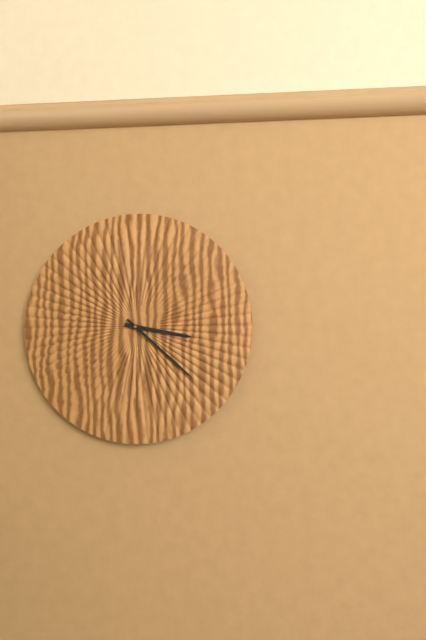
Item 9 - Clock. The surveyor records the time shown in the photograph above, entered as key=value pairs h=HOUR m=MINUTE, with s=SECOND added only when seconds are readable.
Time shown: h=3 m=22
